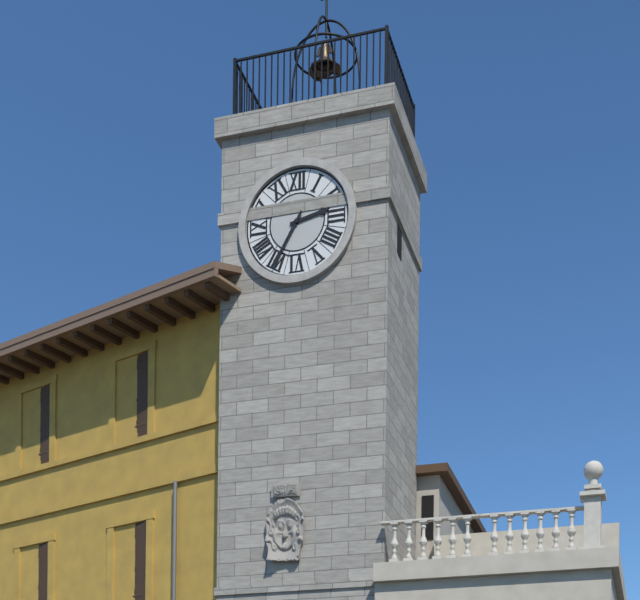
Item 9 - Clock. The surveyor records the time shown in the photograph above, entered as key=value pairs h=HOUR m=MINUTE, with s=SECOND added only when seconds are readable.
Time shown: h=2 m=35
